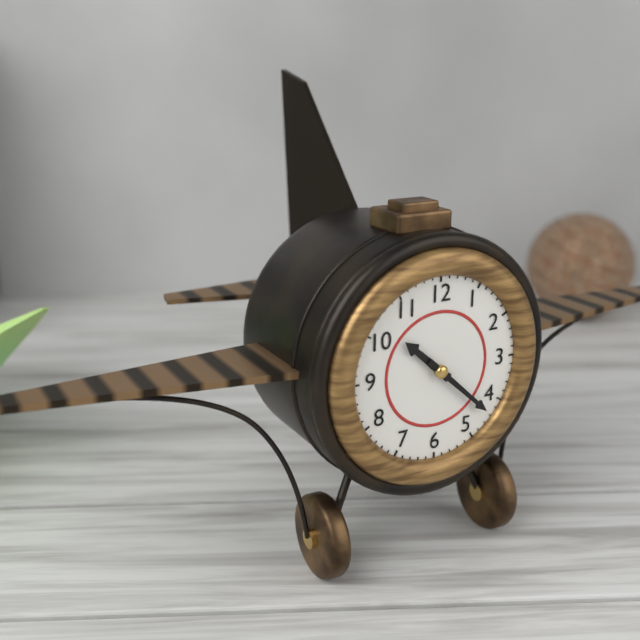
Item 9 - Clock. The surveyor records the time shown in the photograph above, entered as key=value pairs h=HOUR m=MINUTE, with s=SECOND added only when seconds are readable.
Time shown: h=10 m=22
